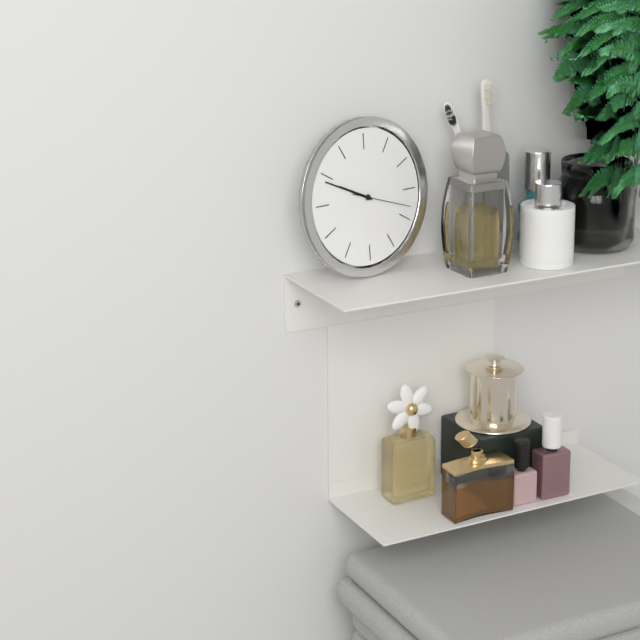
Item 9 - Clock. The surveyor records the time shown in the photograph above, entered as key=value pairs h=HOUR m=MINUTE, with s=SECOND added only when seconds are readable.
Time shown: h=9 m=49 s=18
